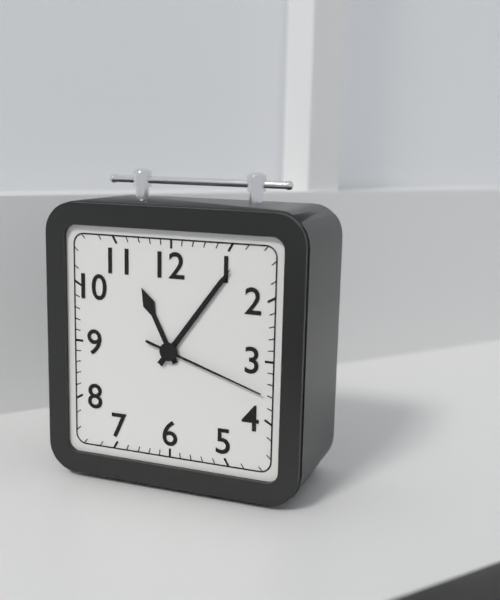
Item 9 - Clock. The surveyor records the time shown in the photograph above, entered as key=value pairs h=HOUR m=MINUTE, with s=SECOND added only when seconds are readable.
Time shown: h=11 m=6 s=18
